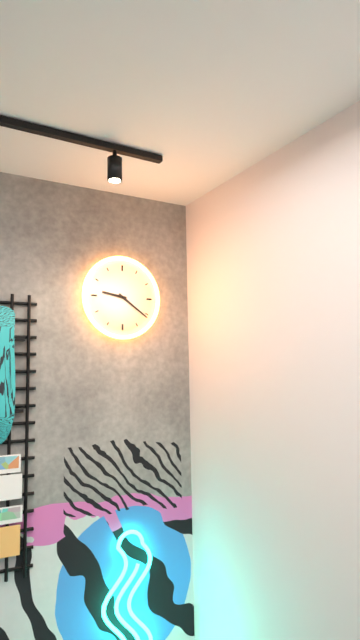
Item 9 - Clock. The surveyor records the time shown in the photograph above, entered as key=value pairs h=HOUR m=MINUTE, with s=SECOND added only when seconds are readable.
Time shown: h=9 m=21
